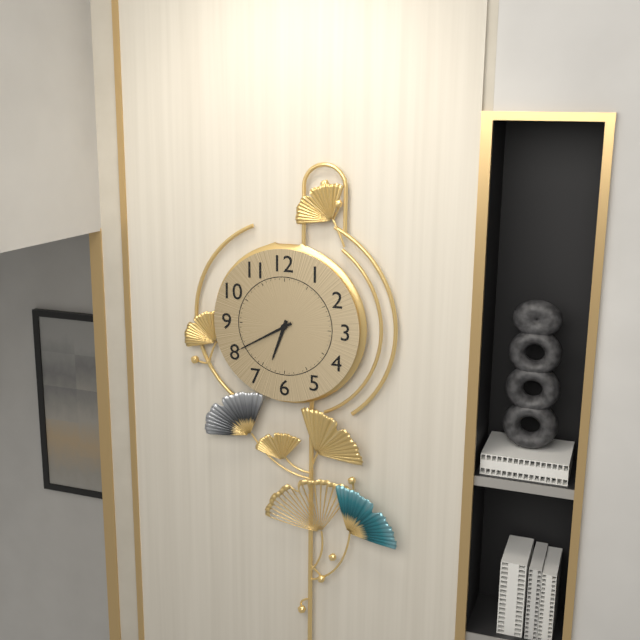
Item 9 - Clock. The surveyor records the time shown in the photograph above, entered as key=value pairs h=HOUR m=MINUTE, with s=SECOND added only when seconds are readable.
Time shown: h=6 m=40
